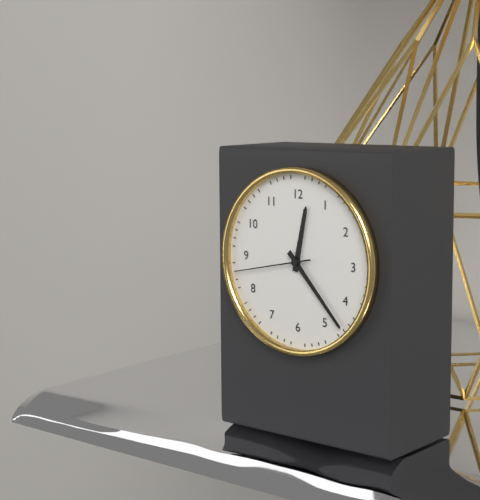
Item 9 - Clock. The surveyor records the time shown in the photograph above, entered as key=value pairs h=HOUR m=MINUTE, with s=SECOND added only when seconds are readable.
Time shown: h=12 m=23 s=43
